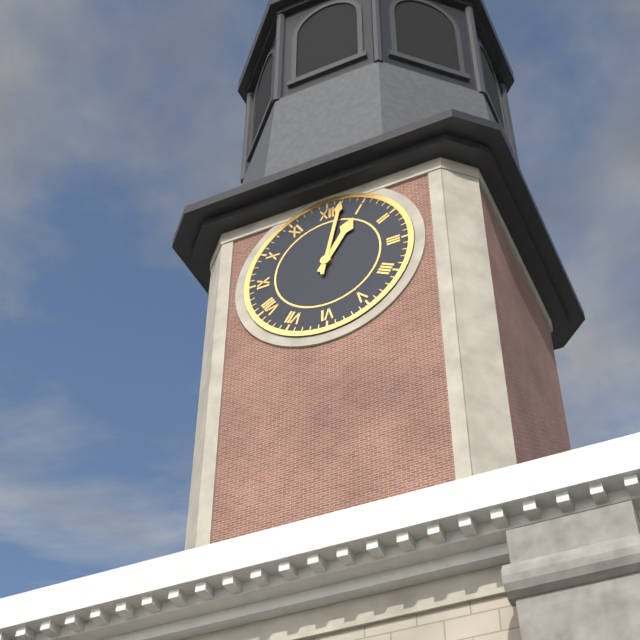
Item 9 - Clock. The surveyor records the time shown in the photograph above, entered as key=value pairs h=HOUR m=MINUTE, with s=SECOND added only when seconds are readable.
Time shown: h=1 m=2
